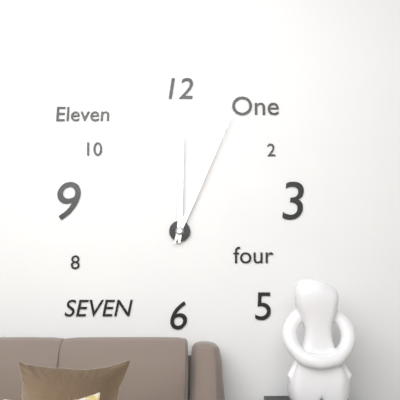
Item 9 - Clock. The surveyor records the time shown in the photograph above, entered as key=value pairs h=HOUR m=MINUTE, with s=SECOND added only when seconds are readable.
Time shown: h=12 m=4
